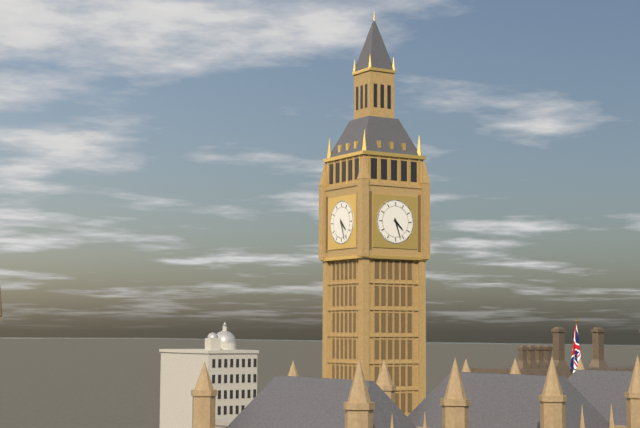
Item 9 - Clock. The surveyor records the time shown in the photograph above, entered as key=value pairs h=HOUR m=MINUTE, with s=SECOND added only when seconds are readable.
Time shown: h=4 m=27
